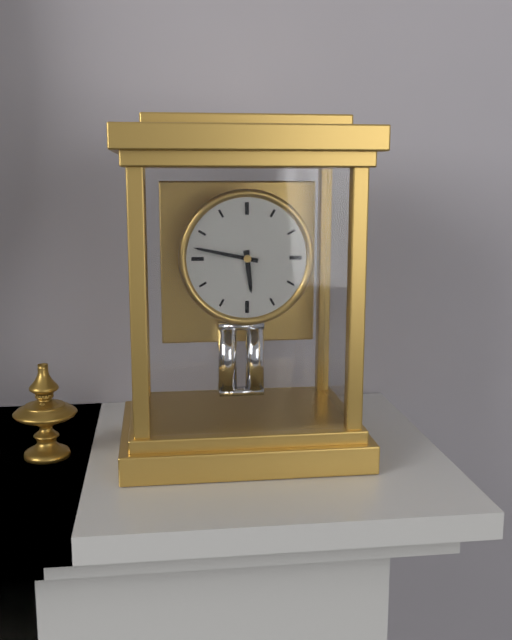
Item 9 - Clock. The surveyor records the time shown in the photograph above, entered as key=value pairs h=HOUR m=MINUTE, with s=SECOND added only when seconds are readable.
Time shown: h=5 m=47
